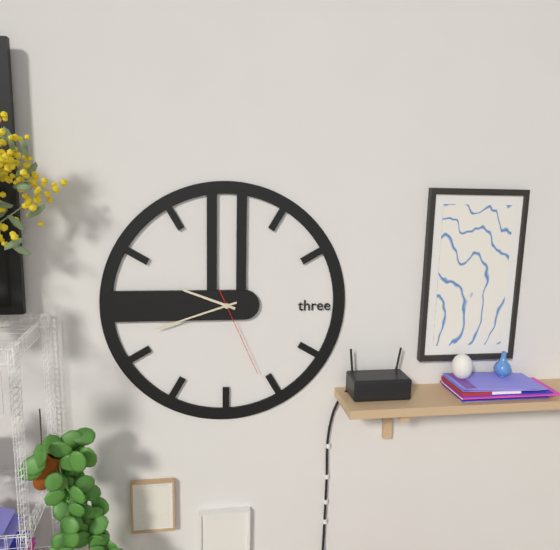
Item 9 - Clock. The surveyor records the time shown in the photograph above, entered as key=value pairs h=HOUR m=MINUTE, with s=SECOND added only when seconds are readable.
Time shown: h=9 m=42 s=26
